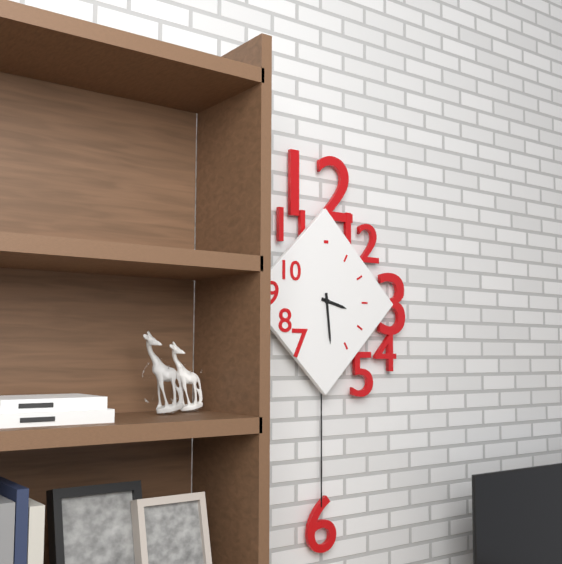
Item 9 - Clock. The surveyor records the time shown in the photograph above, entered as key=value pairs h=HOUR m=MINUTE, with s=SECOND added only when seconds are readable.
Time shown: h=3 m=29
